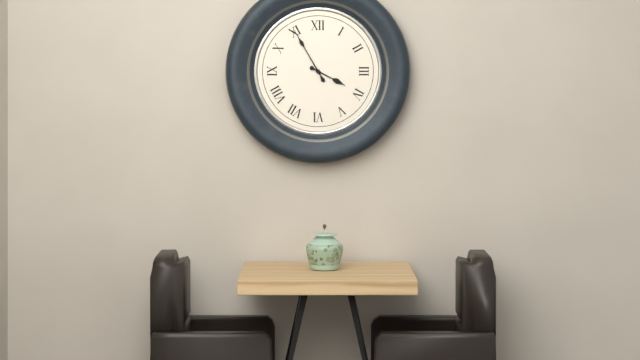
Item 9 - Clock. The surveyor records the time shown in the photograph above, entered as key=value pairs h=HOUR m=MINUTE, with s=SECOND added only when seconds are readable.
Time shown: h=3 m=55
